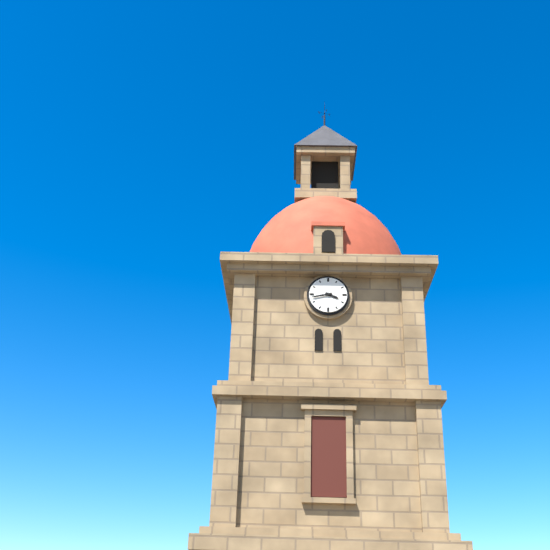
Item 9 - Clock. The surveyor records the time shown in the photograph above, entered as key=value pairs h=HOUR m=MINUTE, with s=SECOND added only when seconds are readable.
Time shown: h=3 m=43
